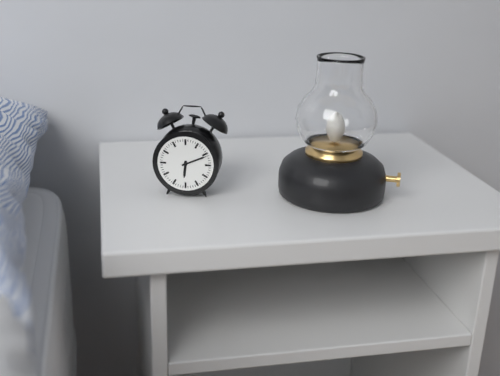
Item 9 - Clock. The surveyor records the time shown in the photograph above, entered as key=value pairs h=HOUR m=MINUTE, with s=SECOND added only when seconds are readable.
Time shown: h=6 m=11
